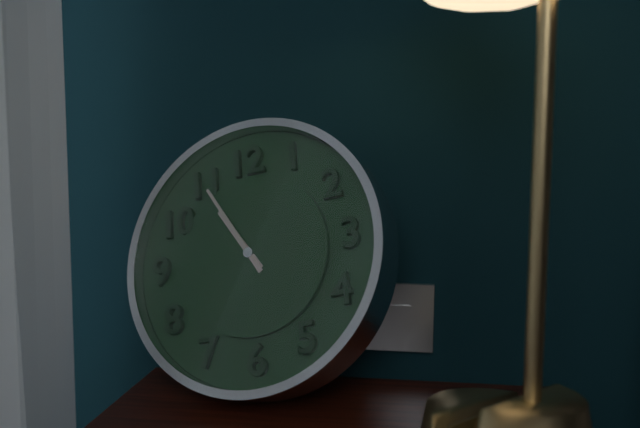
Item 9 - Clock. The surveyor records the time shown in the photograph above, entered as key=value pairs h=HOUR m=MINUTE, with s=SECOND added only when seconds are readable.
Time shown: h=10 m=55
